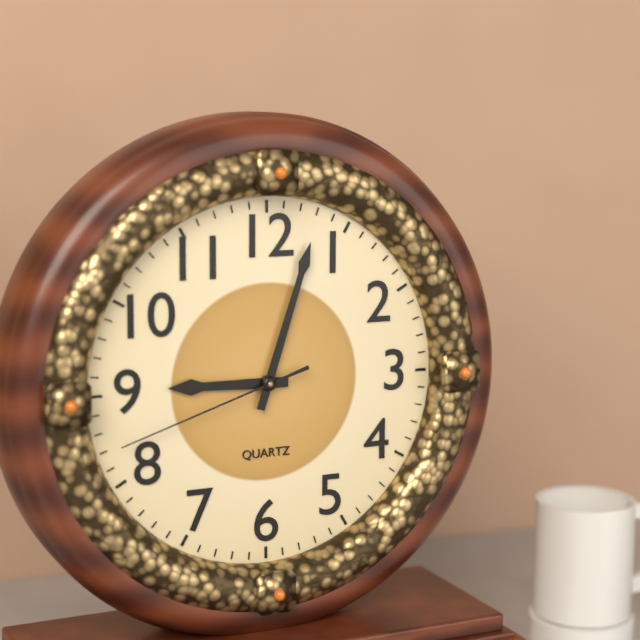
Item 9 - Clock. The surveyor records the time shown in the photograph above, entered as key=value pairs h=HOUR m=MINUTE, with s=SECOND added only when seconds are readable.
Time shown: h=9 m=3 s=42
